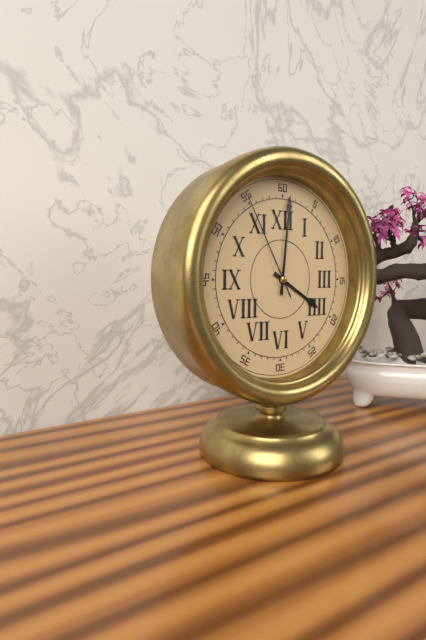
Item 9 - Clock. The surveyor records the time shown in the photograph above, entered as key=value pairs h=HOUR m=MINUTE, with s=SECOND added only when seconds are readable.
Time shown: h=4 m=1 s=55
